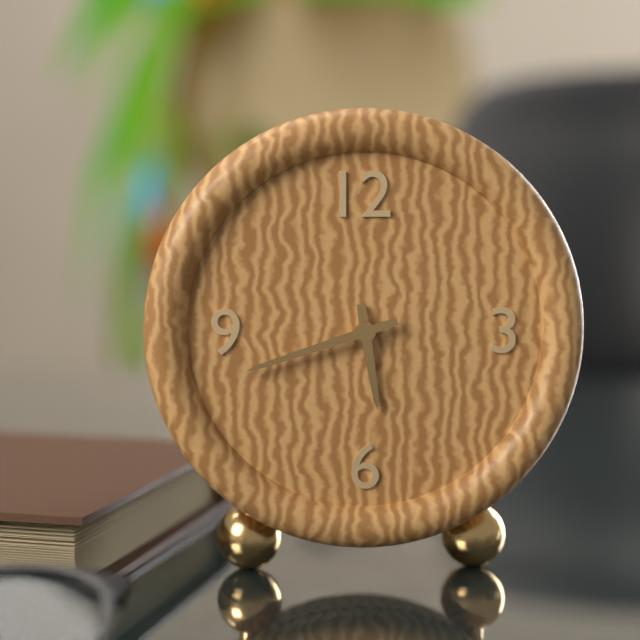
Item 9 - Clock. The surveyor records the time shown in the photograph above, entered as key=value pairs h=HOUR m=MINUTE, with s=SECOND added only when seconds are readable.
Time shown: h=5 m=42
